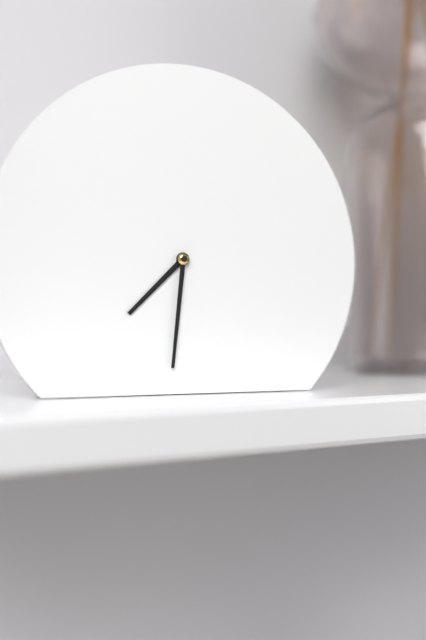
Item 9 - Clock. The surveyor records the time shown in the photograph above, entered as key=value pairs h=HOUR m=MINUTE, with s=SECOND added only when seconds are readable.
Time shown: h=7 m=31
